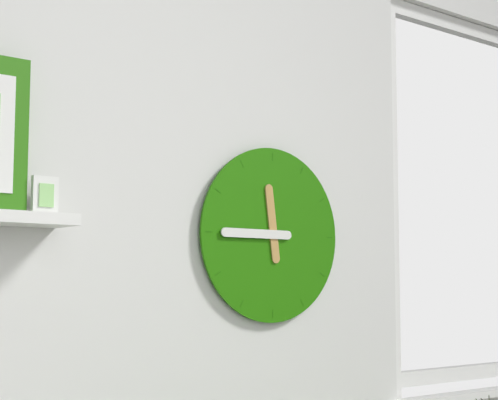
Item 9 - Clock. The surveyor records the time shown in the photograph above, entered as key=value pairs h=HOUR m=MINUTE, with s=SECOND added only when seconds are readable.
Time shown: h=11 m=45
